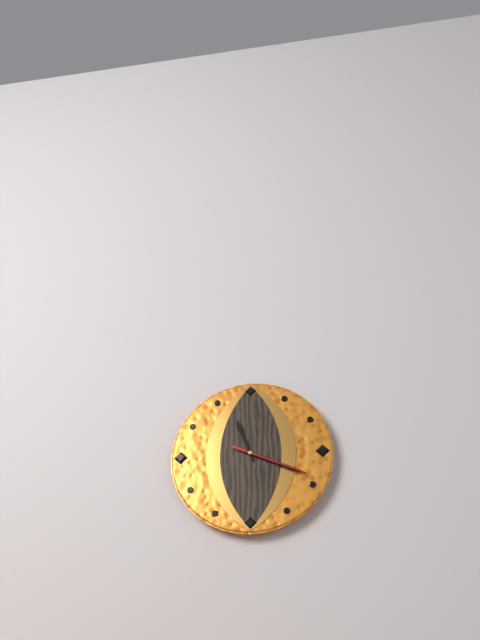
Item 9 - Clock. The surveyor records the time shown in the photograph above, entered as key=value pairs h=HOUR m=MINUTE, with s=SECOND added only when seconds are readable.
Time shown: h=11 m=19 s=19
